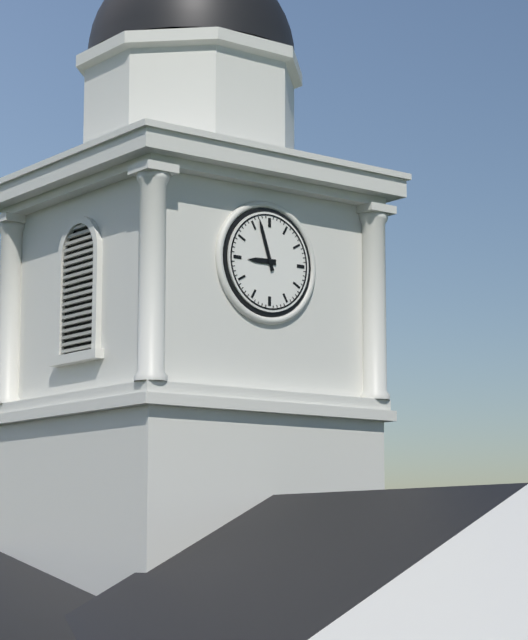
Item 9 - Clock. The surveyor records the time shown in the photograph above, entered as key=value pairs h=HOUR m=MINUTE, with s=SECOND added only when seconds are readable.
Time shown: h=8 m=57
